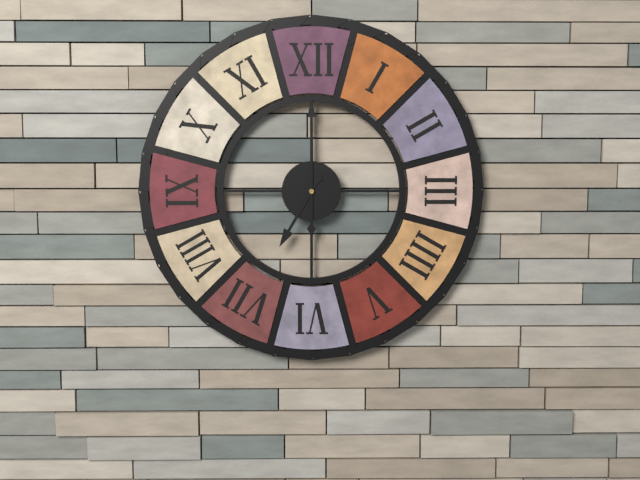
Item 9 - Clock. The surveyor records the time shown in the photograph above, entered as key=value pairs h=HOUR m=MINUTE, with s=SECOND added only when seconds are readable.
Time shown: h=7 m=0
